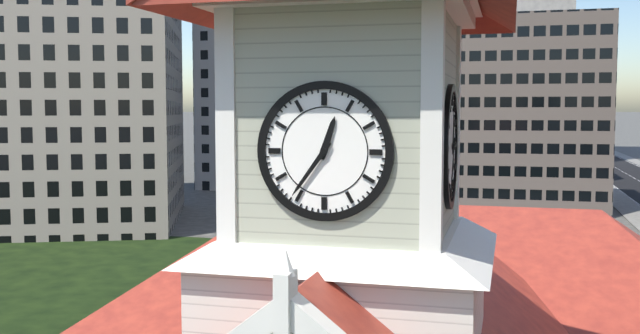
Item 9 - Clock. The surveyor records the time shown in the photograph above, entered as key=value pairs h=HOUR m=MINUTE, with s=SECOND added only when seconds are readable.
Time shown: h=12 m=36
